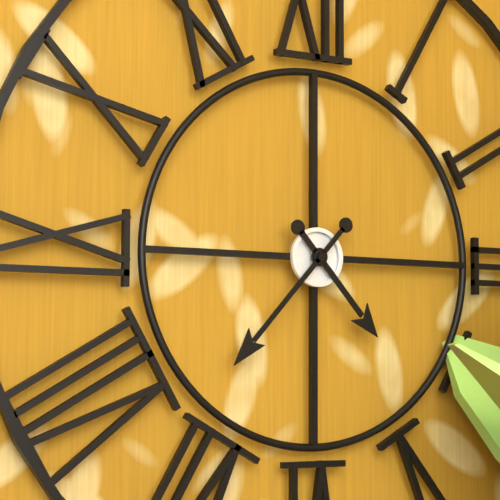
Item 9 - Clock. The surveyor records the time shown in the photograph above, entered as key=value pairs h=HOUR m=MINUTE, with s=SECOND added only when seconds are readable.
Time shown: h=4 m=37
